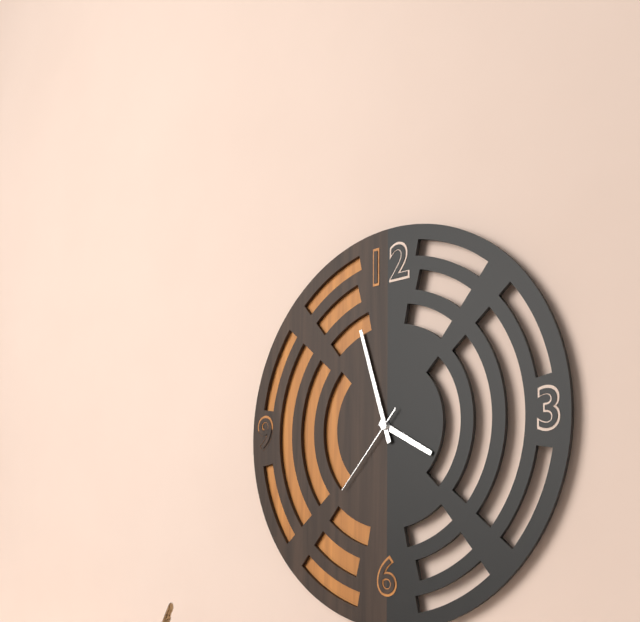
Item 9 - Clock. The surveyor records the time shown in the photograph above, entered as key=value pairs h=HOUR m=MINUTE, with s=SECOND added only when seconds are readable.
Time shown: h=3 m=57 s=37
